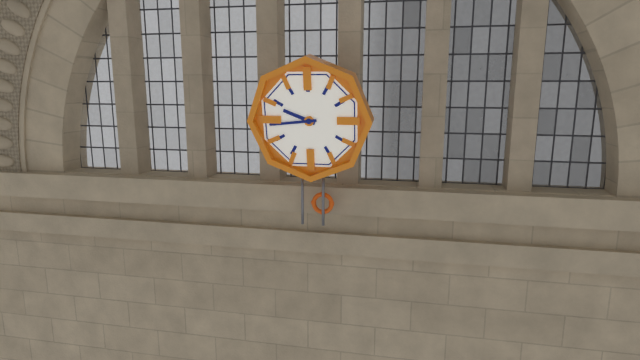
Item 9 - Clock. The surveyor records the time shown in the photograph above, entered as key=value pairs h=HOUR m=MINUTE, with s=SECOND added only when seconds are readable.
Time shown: h=9 m=44
